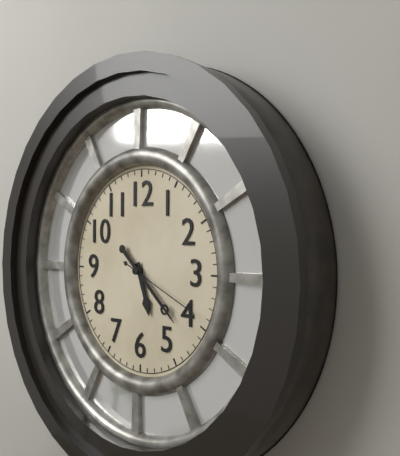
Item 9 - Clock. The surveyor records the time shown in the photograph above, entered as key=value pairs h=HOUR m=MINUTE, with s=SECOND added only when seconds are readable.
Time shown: h=5 m=22 s=19
